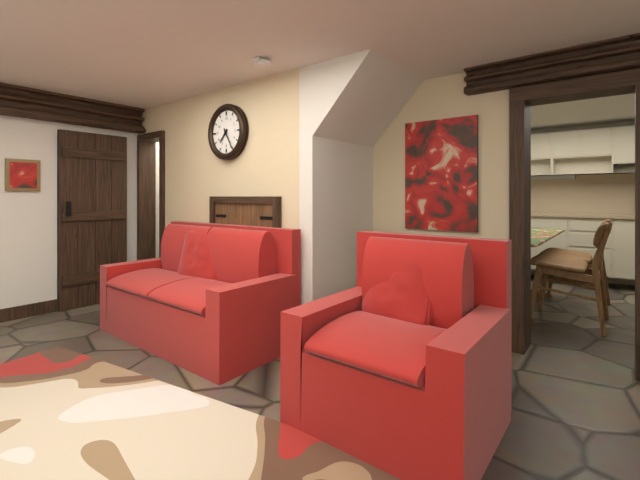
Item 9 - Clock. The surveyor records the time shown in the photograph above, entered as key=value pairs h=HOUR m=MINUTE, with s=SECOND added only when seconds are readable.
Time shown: h=7 m=25
